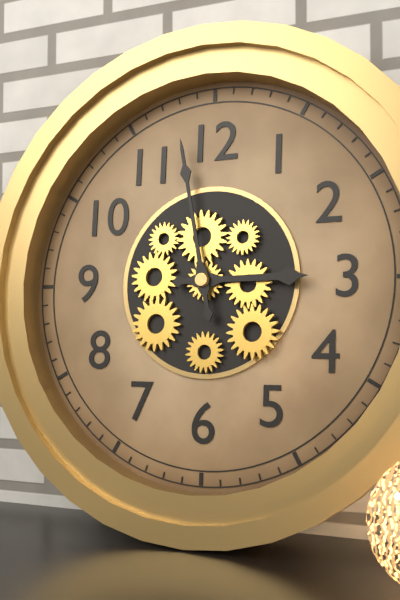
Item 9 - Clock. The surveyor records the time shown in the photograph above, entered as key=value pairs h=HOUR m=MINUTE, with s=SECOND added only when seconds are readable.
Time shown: h=2 m=58
